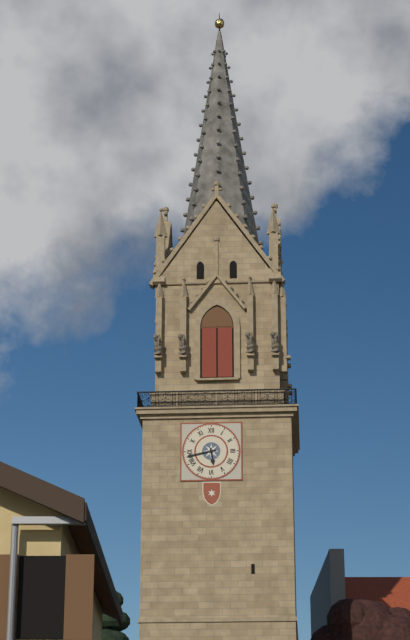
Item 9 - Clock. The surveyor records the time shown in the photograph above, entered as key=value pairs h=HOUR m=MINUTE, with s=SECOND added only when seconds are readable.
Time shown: h=5 m=43
